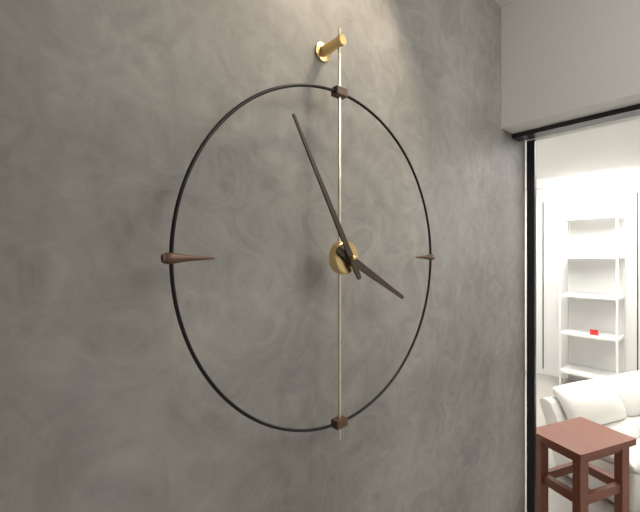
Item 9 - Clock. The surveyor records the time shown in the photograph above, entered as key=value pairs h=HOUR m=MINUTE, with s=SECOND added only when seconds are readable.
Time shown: h=3 m=55
